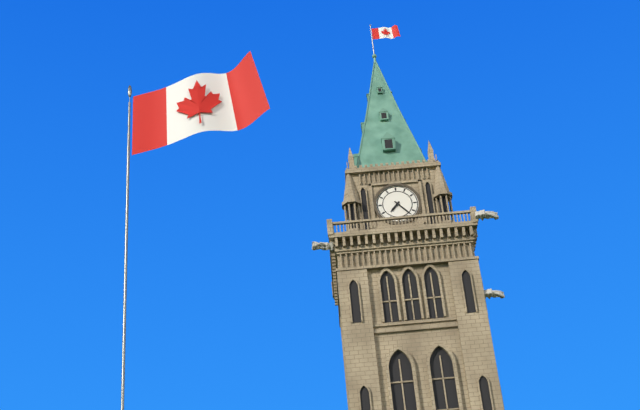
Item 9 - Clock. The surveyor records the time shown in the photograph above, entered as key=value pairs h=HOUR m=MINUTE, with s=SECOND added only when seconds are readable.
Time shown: h=7 m=23
